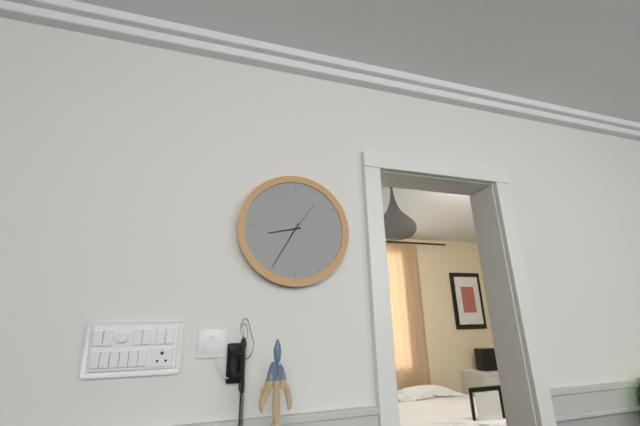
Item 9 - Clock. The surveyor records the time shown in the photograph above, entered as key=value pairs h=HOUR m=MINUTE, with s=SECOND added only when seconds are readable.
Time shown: h=8 m=35
